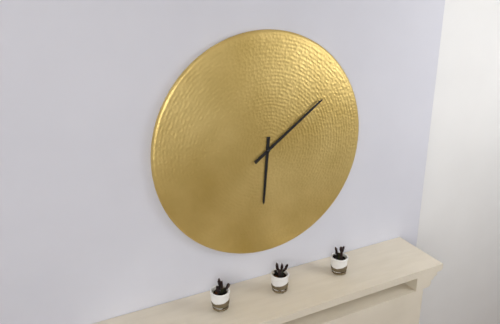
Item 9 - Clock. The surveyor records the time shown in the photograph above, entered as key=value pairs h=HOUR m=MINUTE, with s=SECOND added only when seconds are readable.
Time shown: h=6 m=9
